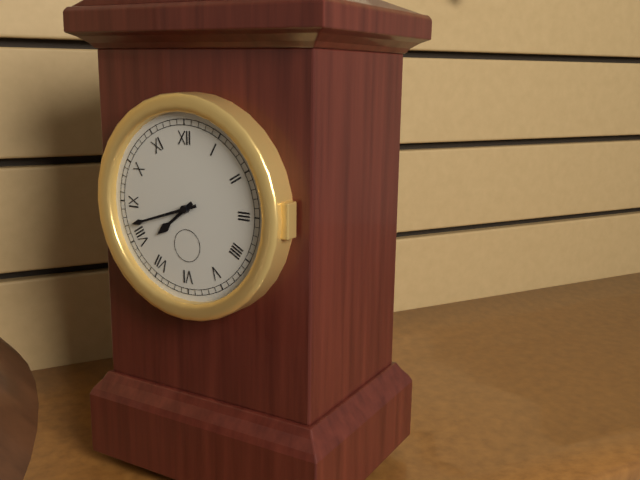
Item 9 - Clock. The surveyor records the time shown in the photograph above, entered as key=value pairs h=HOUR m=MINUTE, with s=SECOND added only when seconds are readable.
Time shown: h=7 m=42
